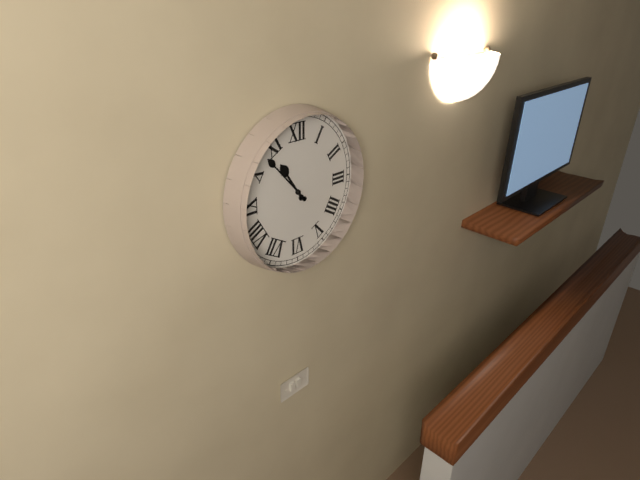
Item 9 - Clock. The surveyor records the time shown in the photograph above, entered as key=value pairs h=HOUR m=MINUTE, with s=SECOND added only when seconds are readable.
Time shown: h=10 m=53
